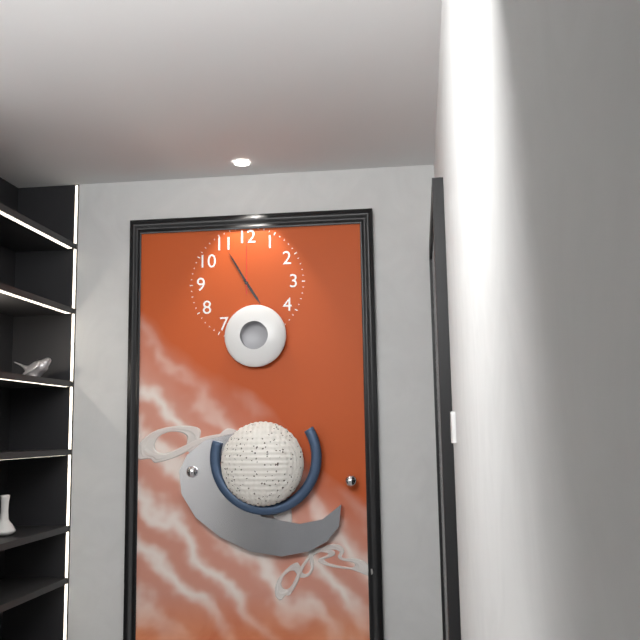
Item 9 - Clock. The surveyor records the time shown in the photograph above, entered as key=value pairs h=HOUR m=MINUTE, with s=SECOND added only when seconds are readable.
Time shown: h=4 m=55 s=0
